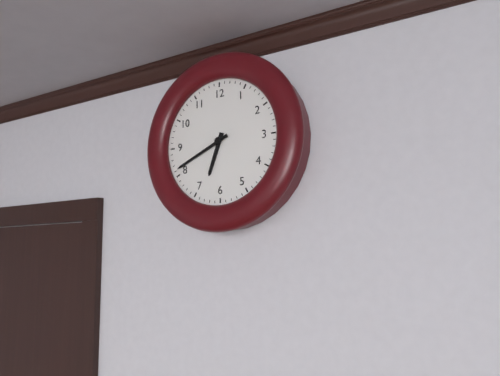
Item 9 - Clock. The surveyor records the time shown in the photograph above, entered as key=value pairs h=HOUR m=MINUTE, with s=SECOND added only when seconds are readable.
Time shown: h=6 m=41
